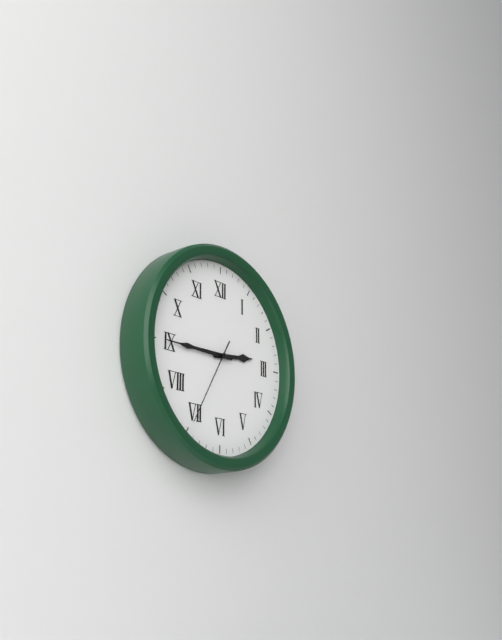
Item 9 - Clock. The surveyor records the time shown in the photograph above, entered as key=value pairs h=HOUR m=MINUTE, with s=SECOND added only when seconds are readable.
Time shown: h=2 m=45 s=35
